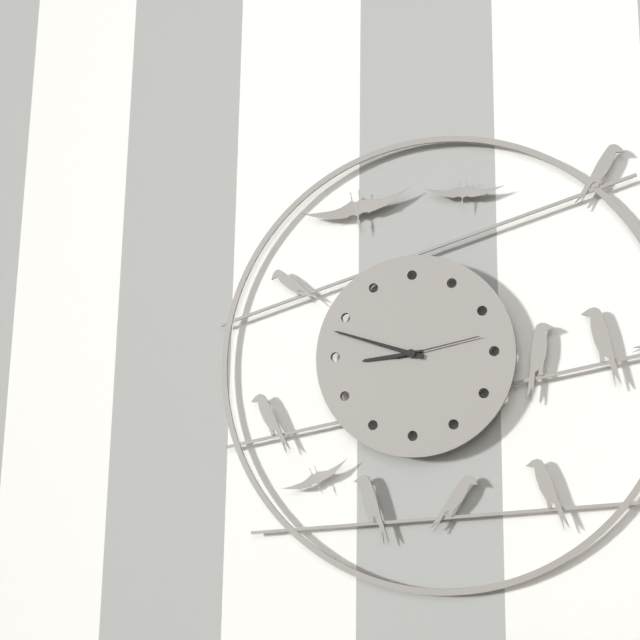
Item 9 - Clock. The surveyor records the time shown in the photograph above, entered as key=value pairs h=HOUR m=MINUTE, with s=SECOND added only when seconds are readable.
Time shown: h=8 m=48 s=13
